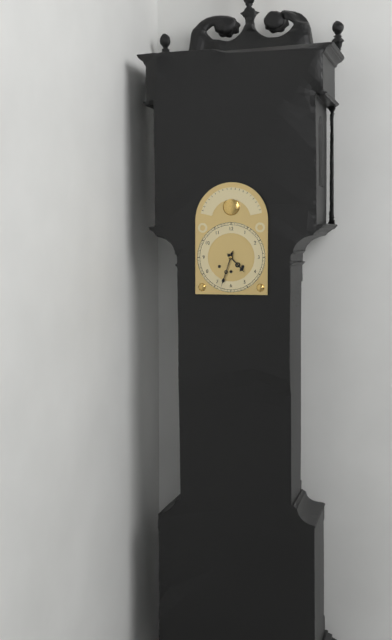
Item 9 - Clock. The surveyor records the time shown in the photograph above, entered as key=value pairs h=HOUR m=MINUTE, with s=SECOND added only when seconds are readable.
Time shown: h=4 m=33
